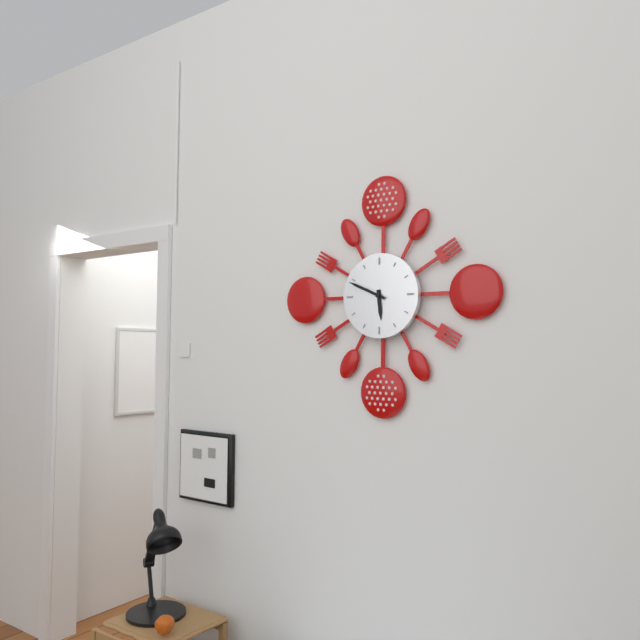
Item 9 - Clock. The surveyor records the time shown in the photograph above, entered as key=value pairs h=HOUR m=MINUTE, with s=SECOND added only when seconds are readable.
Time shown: h=5 m=49
